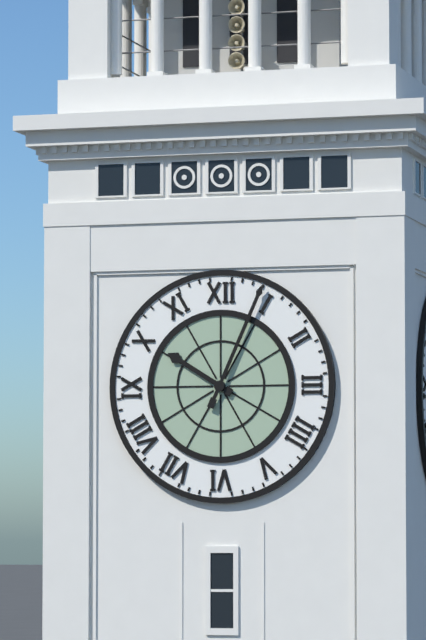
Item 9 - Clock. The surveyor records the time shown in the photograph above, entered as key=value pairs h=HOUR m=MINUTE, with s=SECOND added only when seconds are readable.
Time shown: h=10 m=4
